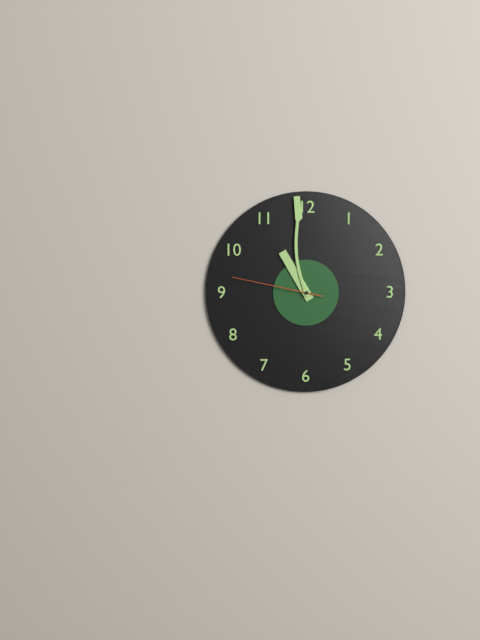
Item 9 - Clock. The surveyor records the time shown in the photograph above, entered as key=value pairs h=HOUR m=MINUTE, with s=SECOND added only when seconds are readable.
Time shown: h=10 m=59 s=47
